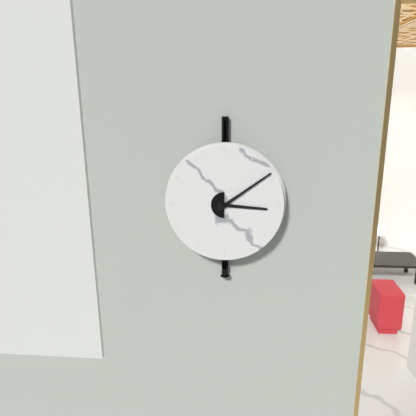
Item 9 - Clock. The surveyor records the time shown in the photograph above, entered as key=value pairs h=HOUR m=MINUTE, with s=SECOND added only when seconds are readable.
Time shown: h=3 m=9
